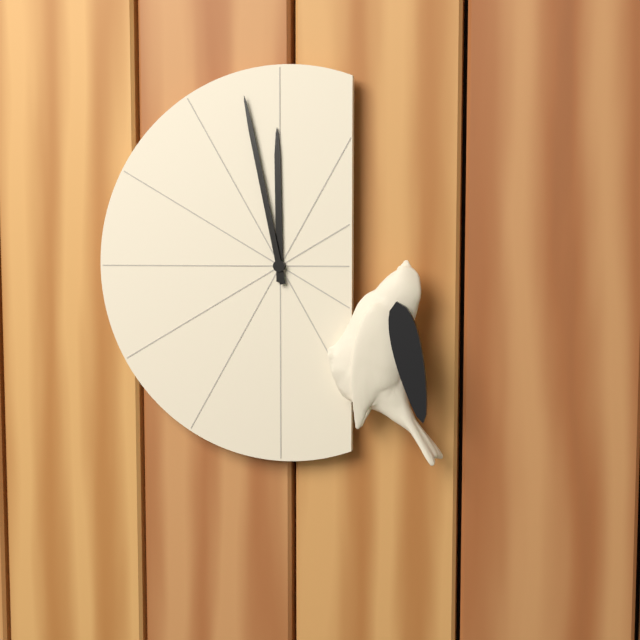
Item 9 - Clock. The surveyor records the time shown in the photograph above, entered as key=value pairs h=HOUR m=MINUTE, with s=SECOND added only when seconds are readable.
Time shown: h=11 m=58
